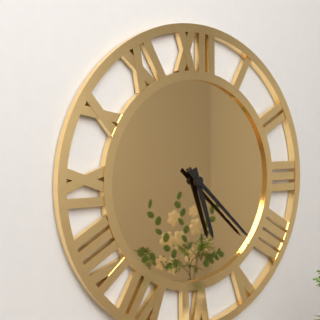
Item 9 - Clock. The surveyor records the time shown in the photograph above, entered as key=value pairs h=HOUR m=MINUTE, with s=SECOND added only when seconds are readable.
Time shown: h=5 m=22
